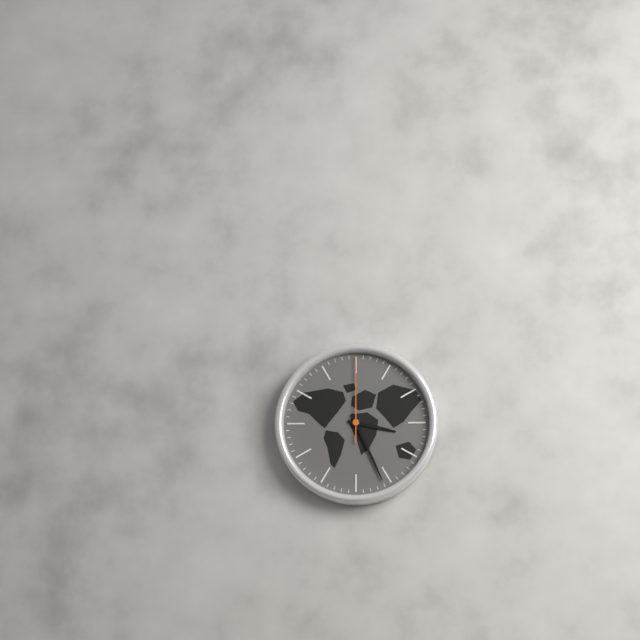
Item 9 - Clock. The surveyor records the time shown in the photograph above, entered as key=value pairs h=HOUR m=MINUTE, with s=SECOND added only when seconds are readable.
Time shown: h=3 m=26 s=0
